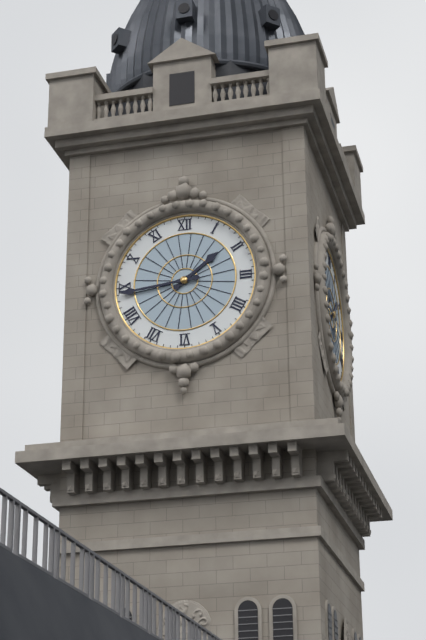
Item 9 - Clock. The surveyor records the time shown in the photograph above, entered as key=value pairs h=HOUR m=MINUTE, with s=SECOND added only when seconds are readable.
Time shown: h=1 m=44
